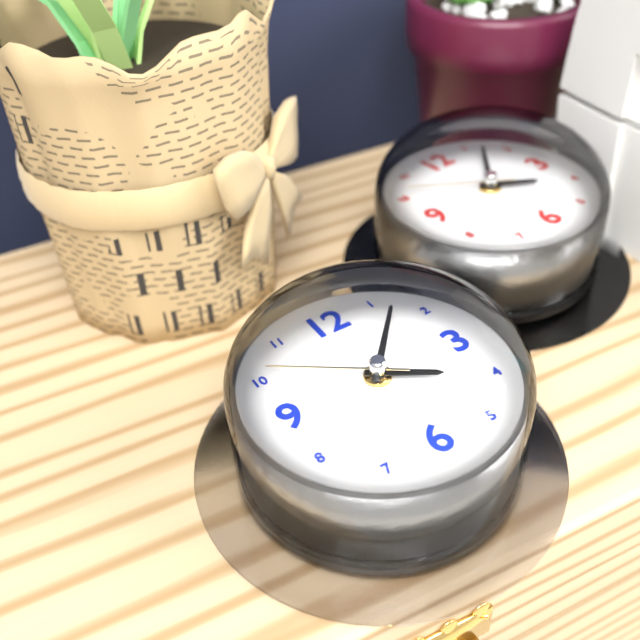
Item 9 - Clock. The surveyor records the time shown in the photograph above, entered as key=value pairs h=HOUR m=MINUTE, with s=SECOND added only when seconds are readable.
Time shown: h=4 m=7 s=51
